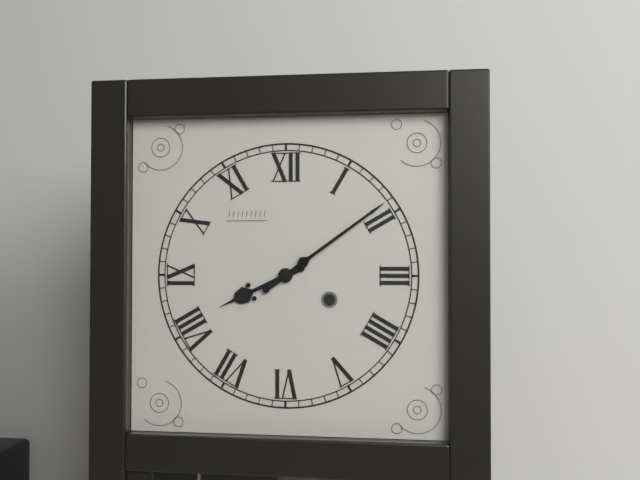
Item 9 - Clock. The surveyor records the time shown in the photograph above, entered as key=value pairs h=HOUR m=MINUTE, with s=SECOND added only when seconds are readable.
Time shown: h=8 m=9
